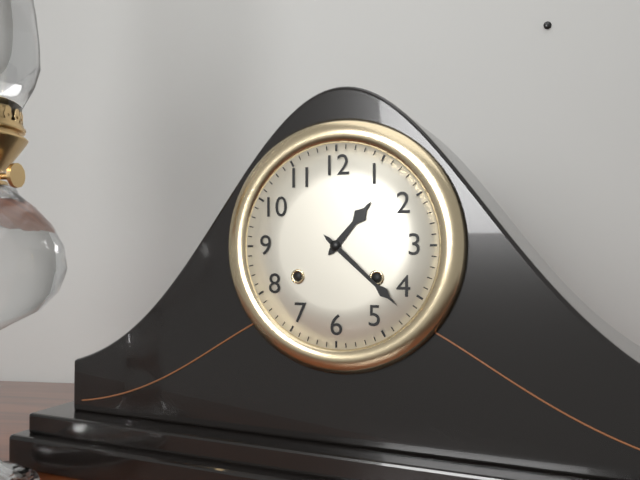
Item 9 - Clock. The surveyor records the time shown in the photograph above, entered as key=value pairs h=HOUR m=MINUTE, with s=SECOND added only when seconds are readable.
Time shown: h=1 m=22
